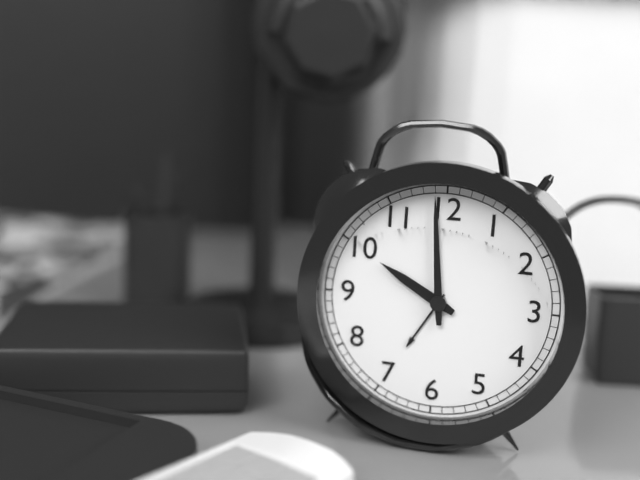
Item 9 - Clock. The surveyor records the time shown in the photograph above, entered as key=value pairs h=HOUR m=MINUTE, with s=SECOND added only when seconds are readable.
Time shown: h=9 m=59
